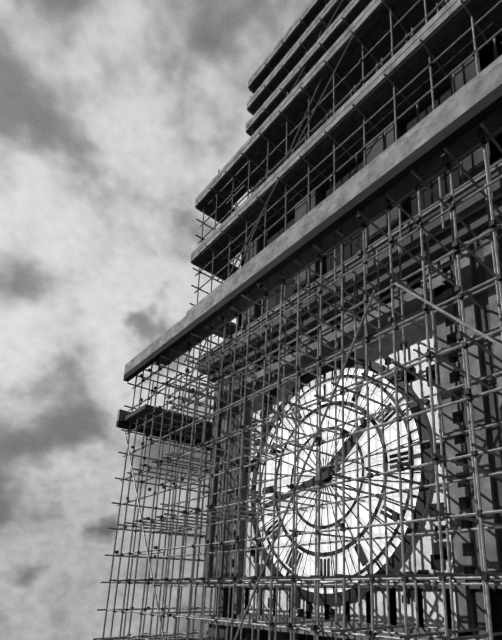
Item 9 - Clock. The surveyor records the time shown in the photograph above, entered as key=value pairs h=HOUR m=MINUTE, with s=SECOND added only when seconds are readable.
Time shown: h=1 m=43
